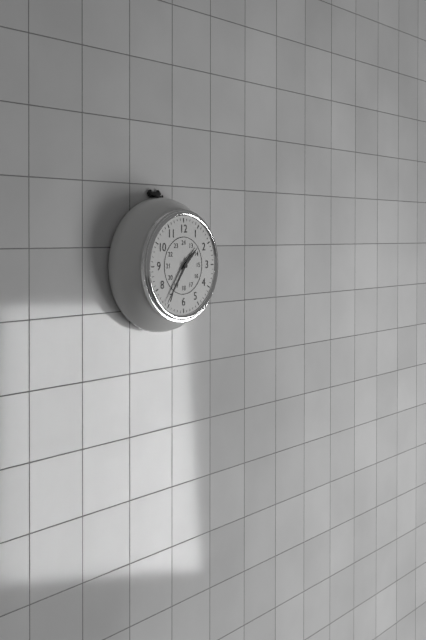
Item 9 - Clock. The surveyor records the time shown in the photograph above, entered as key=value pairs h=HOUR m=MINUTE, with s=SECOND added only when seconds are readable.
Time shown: h=1 m=36
